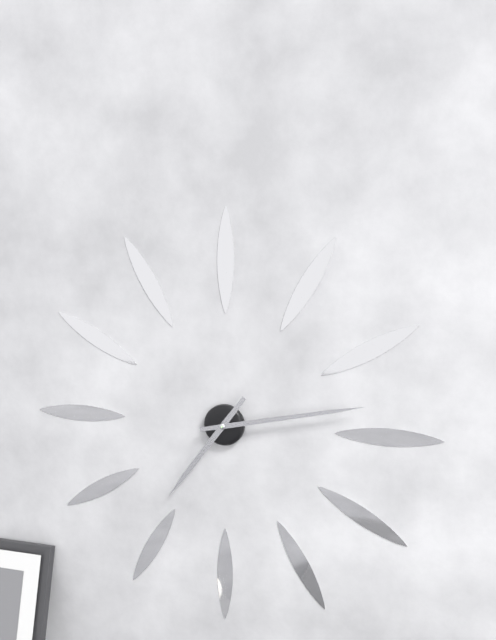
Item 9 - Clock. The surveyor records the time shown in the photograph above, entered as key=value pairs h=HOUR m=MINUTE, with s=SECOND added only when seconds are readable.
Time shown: h=7 m=13
